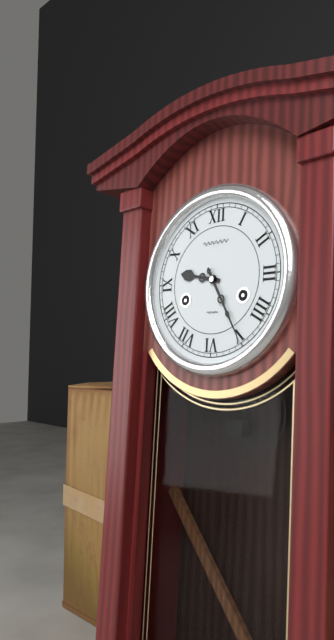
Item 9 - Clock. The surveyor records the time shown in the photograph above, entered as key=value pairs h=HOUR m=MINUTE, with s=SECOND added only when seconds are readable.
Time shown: h=9 m=25
